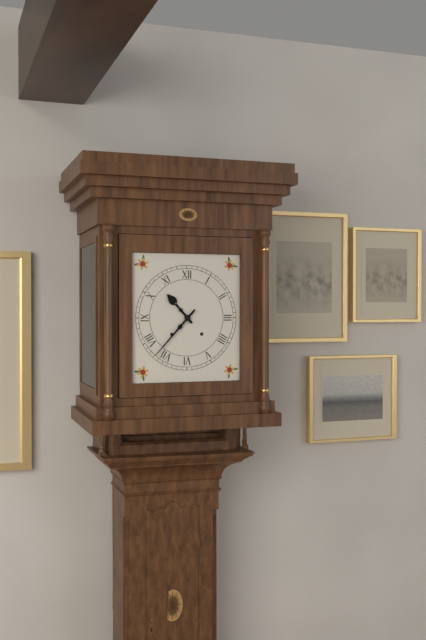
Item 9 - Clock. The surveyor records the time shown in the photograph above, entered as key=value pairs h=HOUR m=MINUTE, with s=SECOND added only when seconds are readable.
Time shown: h=10 m=37
